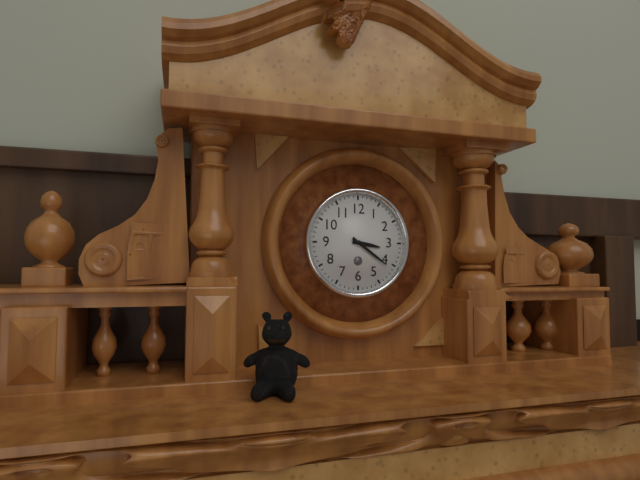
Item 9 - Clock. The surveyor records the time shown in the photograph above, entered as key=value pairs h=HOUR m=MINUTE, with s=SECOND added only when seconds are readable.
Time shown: h=3 m=21
